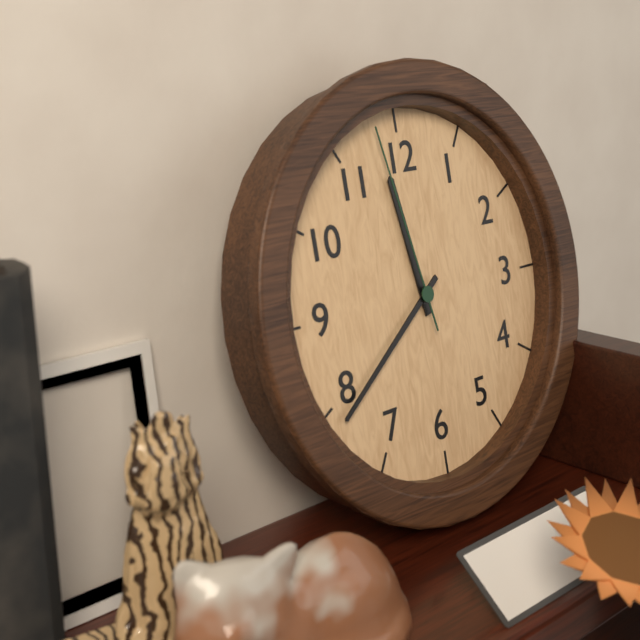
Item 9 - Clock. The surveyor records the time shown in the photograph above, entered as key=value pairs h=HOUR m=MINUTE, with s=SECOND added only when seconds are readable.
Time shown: h=11 m=39 s=58
